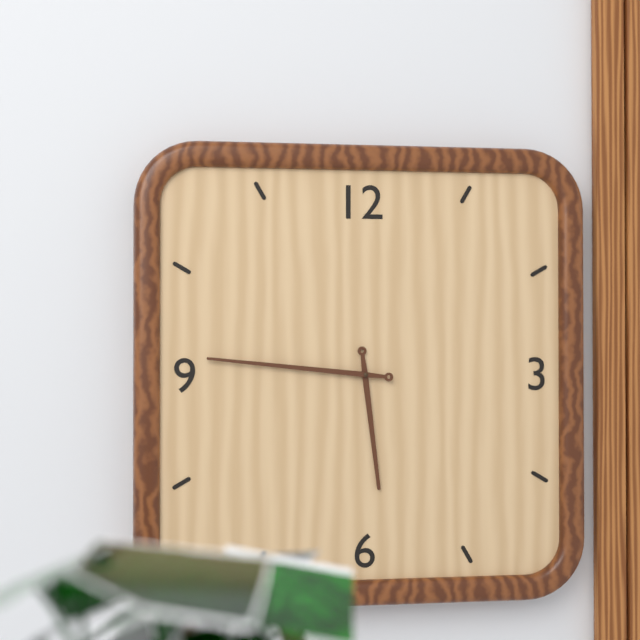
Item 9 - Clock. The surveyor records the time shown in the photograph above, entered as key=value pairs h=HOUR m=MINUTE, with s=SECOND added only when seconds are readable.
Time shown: h=5 m=46
